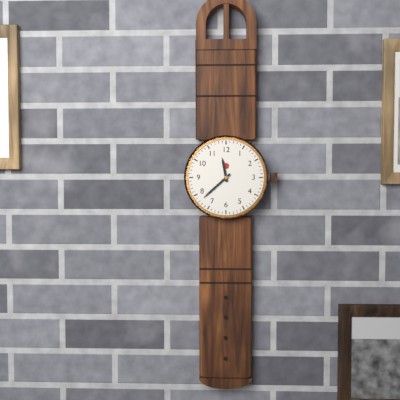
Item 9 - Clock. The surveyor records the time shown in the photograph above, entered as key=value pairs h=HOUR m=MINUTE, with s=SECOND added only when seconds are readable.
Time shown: h=11 m=38
